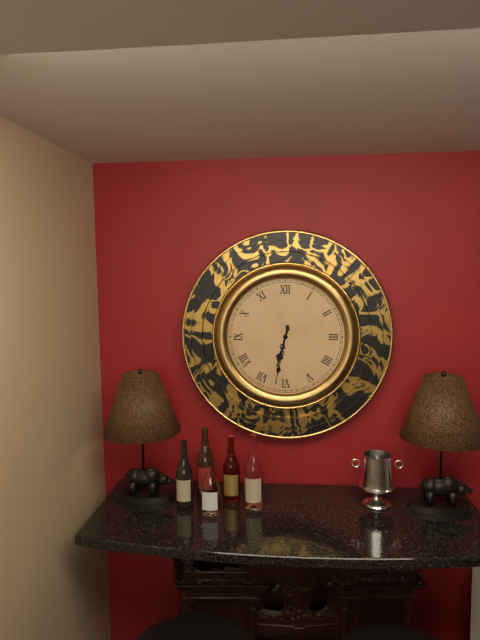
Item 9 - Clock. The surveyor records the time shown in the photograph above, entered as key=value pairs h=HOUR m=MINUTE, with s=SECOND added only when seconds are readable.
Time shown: h=6 m=32
